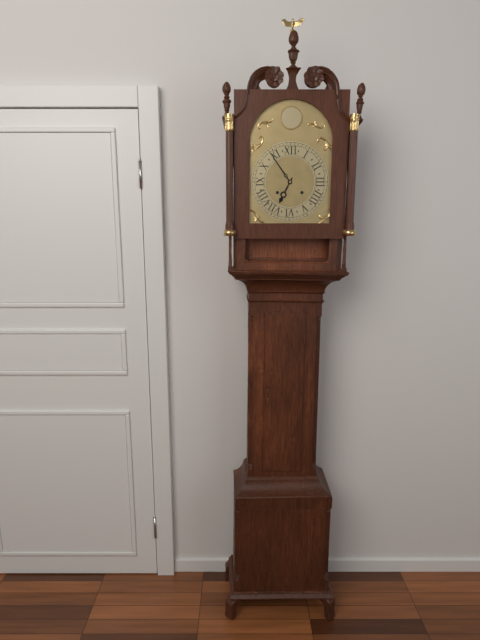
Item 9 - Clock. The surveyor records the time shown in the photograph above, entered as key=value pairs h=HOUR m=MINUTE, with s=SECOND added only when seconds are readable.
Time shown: h=6 m=54
